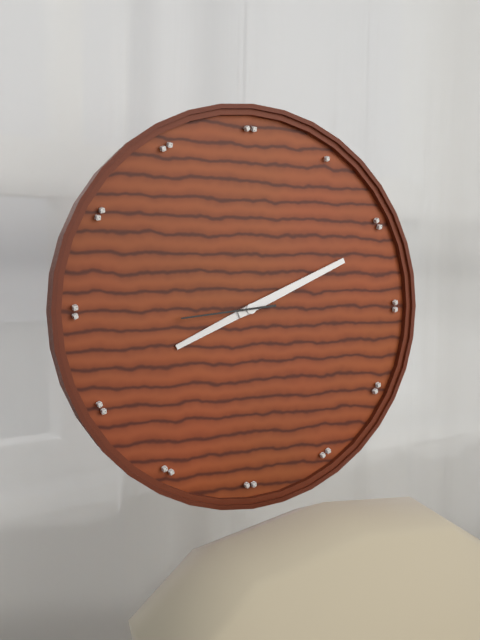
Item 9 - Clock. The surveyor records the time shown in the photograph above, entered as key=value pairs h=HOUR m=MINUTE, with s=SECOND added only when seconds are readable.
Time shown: h=8 m=11 s=44
